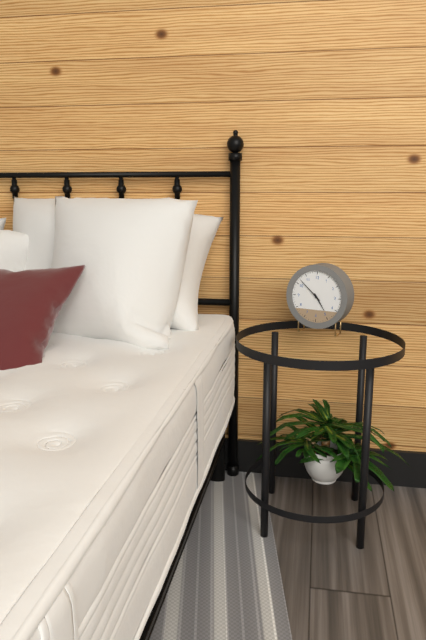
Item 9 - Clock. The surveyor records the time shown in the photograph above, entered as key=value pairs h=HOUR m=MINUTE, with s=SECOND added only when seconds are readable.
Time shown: h=4 m=52
